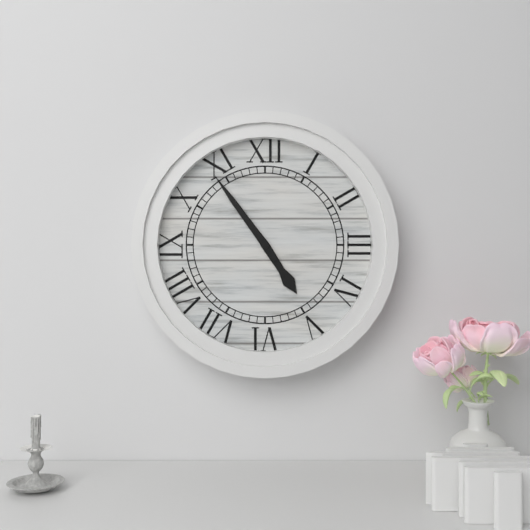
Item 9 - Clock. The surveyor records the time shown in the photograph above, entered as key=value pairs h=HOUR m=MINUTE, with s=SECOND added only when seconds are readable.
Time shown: h=4 m=54
